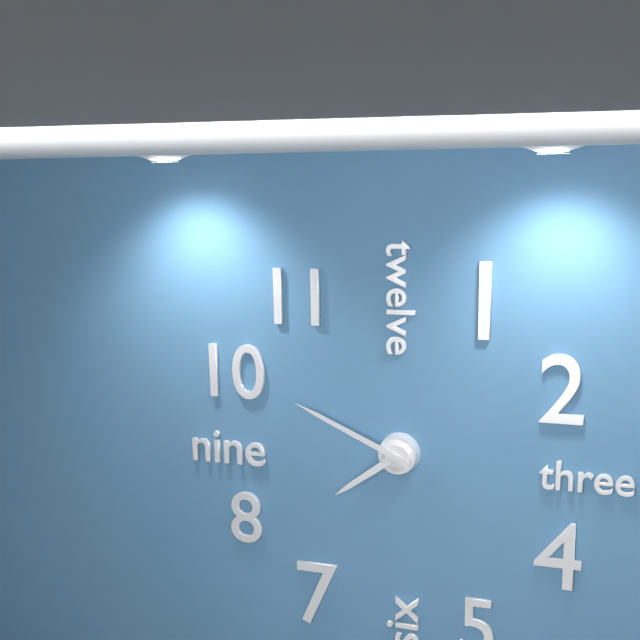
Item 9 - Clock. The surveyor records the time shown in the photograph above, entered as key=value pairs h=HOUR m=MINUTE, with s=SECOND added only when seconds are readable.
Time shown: h=7 m=49
